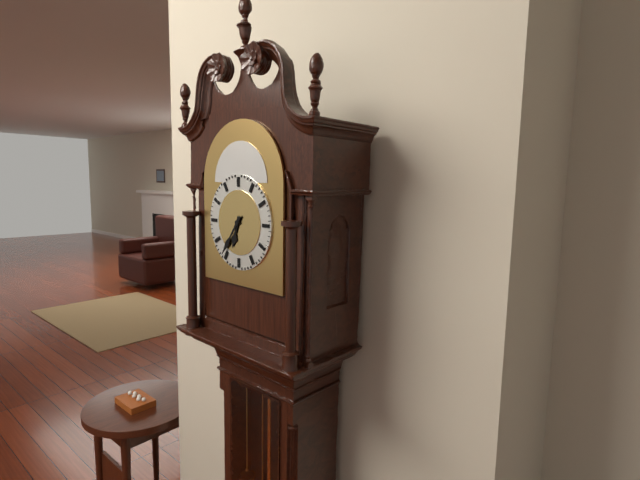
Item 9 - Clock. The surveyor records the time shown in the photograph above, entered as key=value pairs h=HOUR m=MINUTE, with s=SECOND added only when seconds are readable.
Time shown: h=6 m=36
